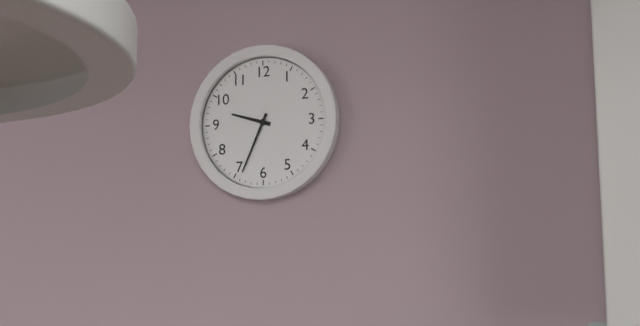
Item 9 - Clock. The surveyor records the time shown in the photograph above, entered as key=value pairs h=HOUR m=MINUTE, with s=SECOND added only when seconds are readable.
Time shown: h=9 m=34
